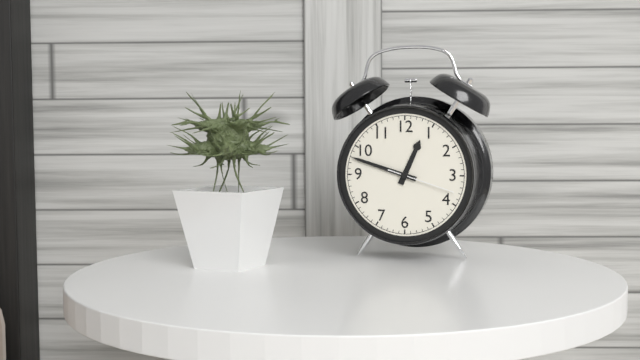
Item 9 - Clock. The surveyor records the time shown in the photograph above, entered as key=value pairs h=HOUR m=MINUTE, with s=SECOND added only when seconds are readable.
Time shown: h=12 m=48 s=18
